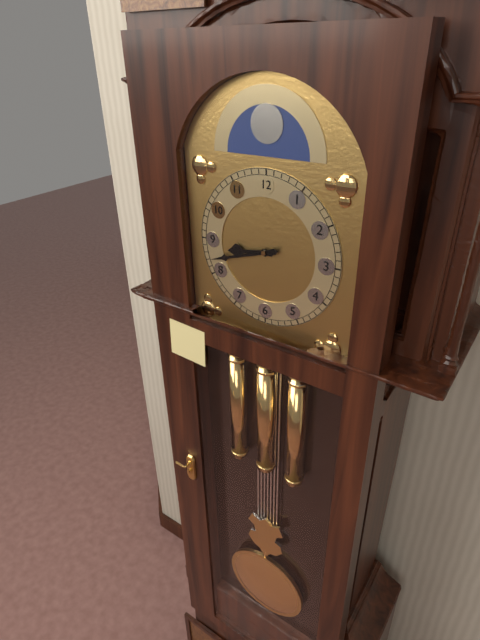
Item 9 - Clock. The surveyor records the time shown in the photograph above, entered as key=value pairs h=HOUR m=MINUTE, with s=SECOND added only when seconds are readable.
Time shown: h=8 m=42
